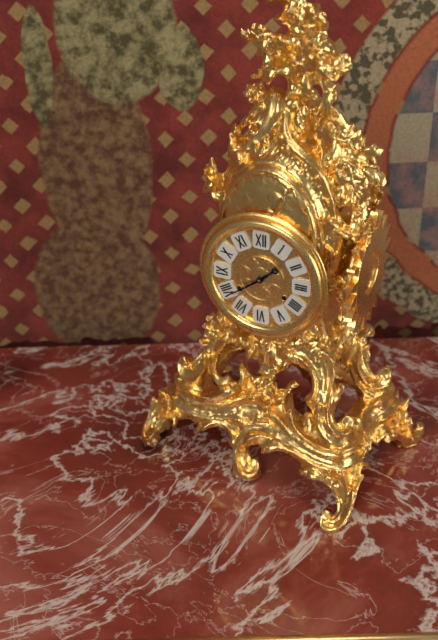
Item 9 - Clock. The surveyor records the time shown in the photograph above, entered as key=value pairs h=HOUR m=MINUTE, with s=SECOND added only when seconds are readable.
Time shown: h=1 m=39
